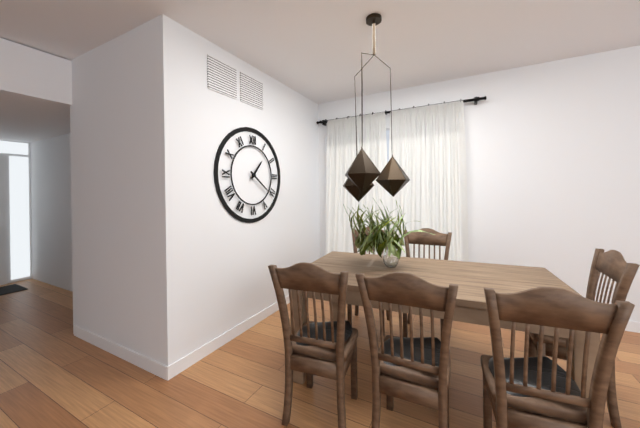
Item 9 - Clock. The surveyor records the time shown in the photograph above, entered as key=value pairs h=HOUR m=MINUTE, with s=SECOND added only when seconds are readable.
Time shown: h=1 m=21
